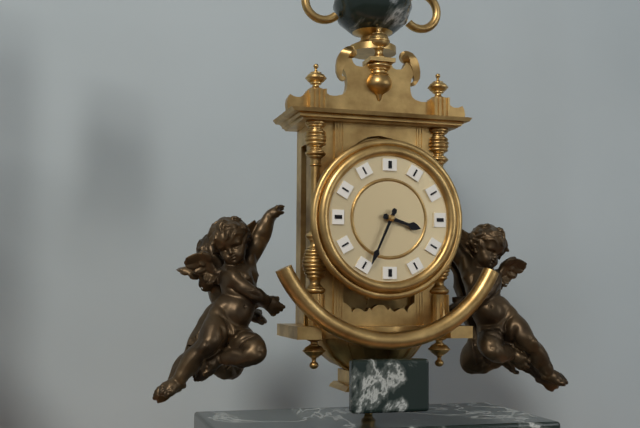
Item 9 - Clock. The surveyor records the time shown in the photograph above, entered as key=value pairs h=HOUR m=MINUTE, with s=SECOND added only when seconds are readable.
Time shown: h=3 m=34
